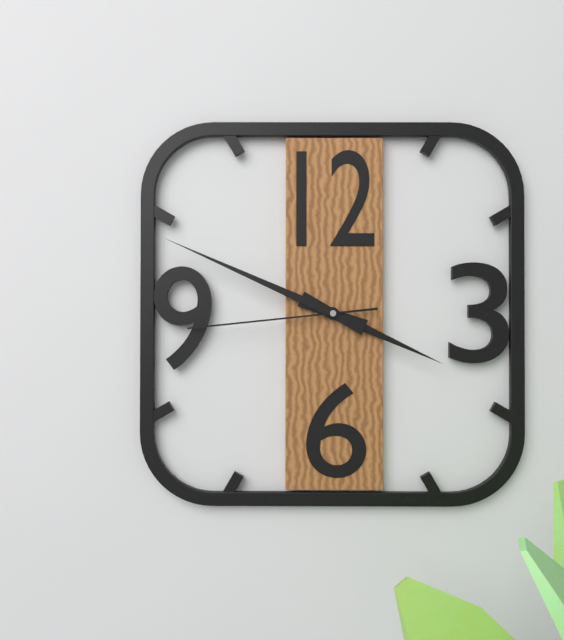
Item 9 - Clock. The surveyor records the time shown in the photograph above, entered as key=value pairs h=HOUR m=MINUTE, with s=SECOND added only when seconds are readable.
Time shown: h=3 m=49 s=44
